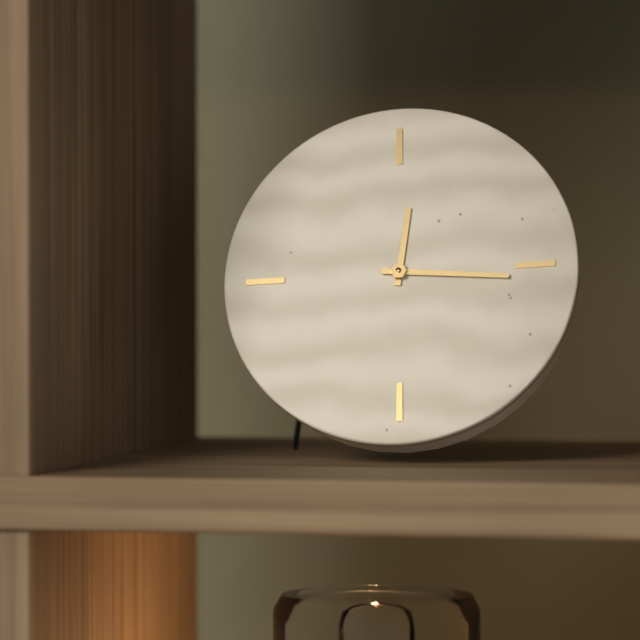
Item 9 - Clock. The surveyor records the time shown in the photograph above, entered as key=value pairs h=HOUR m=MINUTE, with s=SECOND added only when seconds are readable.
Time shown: h=12 m=16
